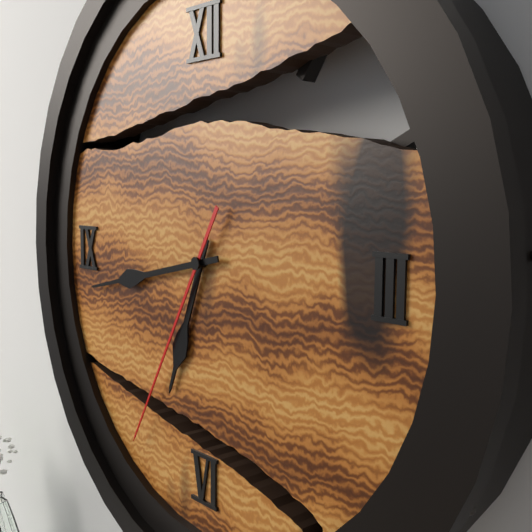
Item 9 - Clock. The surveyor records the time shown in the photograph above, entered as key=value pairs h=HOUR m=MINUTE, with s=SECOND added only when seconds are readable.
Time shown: h=6 m=43 s=35
